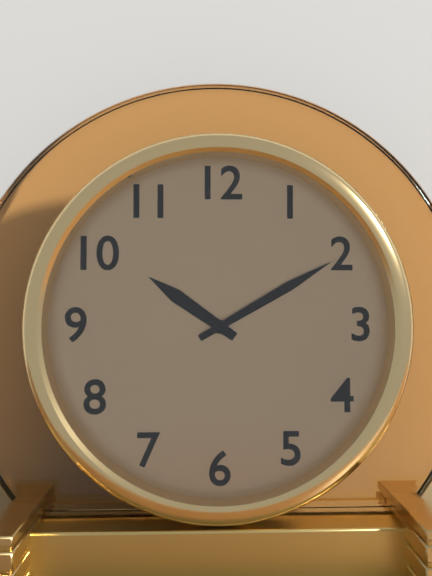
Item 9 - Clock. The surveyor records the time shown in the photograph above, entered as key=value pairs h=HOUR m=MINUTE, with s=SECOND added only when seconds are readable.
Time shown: h=10 m=10
